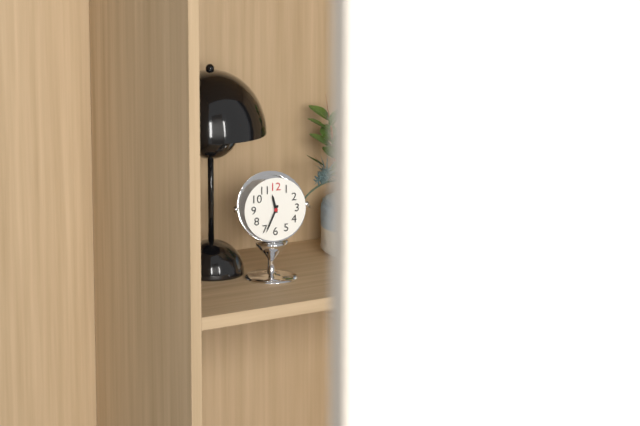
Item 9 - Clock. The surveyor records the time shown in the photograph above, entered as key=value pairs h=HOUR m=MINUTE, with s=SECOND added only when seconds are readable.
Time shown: h=11 m=34
